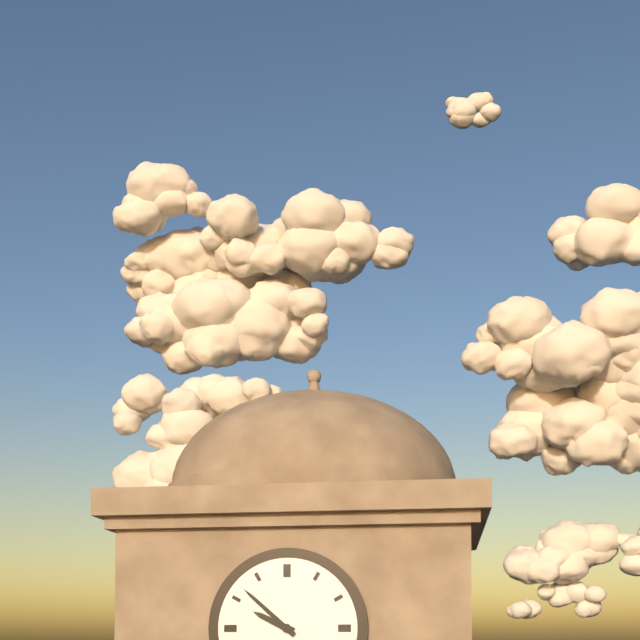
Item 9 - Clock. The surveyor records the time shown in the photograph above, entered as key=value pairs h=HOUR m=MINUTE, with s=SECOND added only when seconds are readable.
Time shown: h=9 m=52
